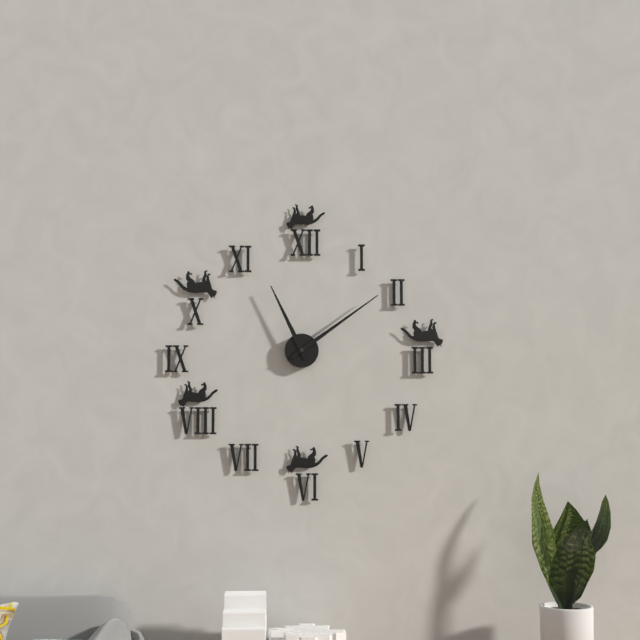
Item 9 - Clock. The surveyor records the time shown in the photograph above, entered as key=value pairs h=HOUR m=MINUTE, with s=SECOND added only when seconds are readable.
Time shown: h=11 m=9
